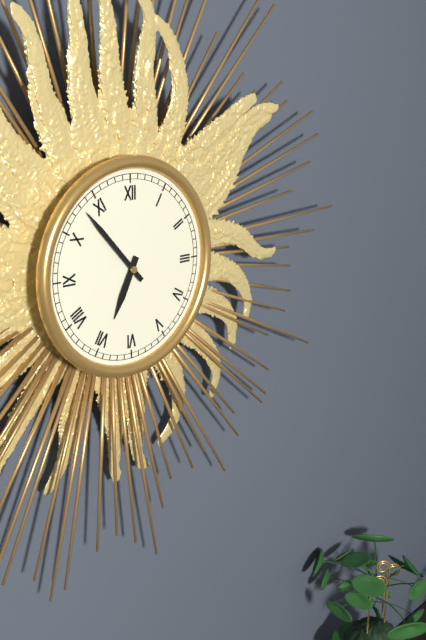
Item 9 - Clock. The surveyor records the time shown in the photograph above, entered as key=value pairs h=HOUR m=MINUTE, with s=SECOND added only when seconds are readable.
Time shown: h=6 m=53
